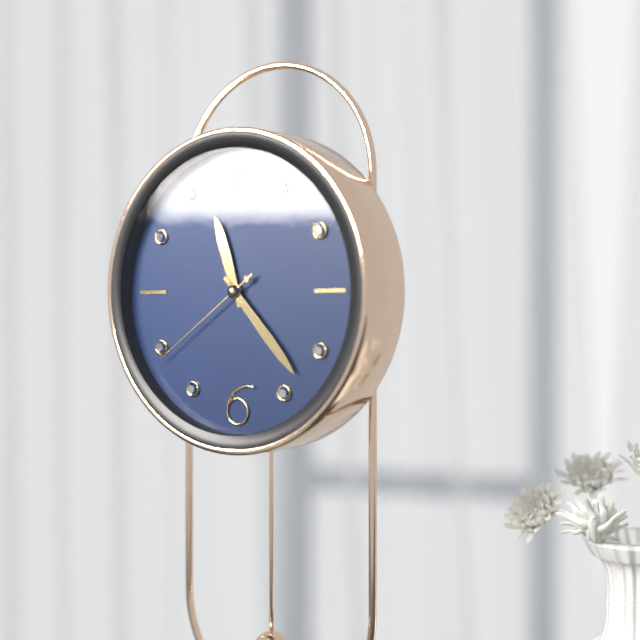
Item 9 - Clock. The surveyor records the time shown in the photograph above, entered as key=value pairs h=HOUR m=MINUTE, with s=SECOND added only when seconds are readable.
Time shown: h=11 m=23 s=39
